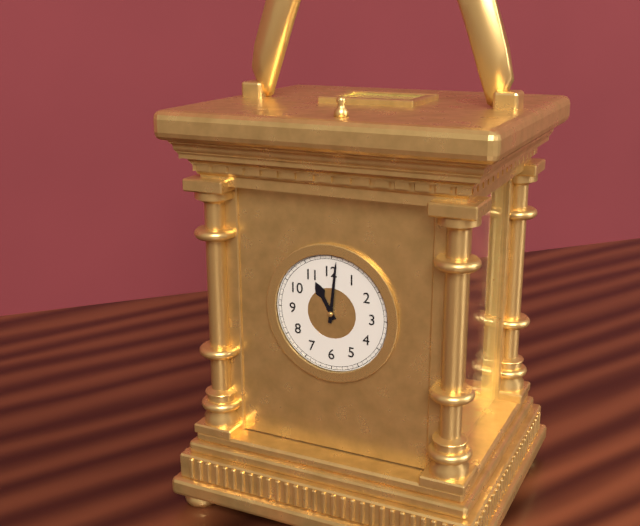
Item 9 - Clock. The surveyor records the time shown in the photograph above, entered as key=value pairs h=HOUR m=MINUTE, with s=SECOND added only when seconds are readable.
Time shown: h=11 m=1
